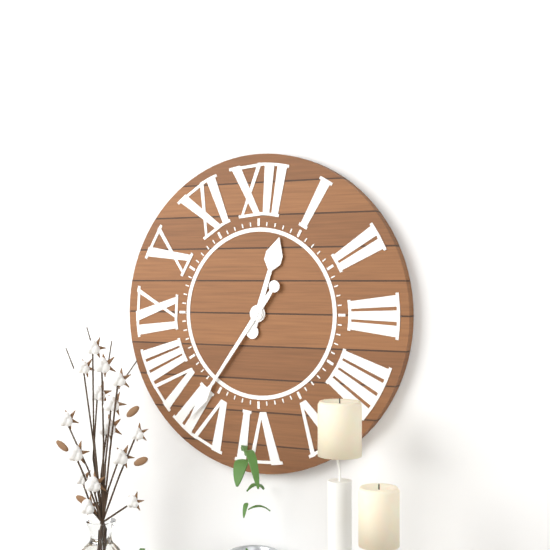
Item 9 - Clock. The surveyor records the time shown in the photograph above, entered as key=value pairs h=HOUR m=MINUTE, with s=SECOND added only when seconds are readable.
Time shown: h=12 m=36
